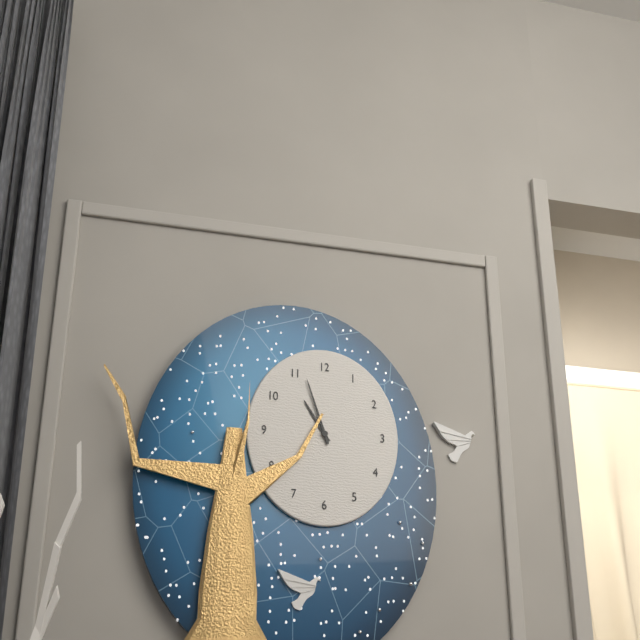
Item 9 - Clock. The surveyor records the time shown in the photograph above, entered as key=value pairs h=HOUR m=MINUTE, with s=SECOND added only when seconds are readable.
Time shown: h=10 m=57
